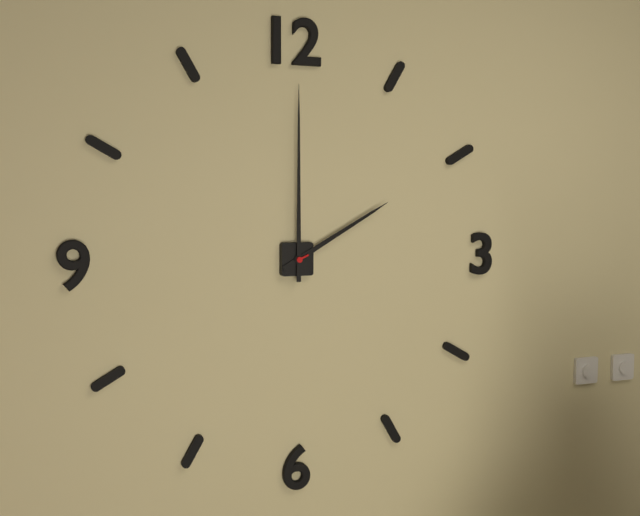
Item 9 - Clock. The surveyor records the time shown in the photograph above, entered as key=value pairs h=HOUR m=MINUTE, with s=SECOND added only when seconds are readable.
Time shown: h=2 m=0
